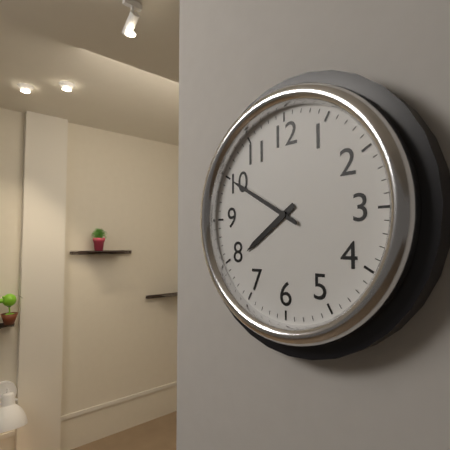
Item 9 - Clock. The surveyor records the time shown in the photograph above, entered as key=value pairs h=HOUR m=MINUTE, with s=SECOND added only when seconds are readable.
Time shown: h=7 m=50
